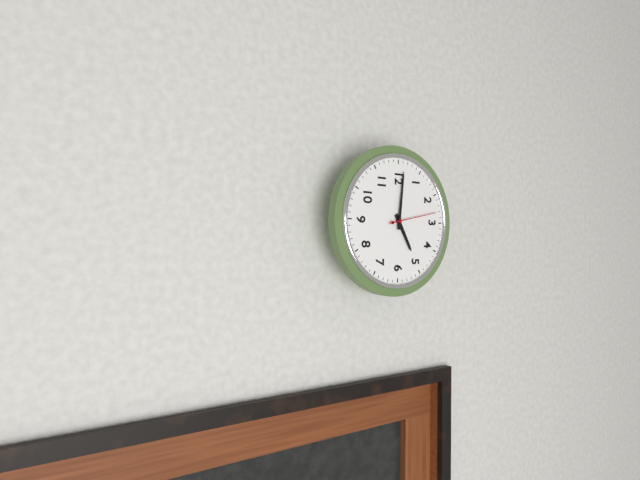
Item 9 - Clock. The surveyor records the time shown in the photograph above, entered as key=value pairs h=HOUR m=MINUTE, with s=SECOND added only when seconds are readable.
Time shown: h=5 m=1
